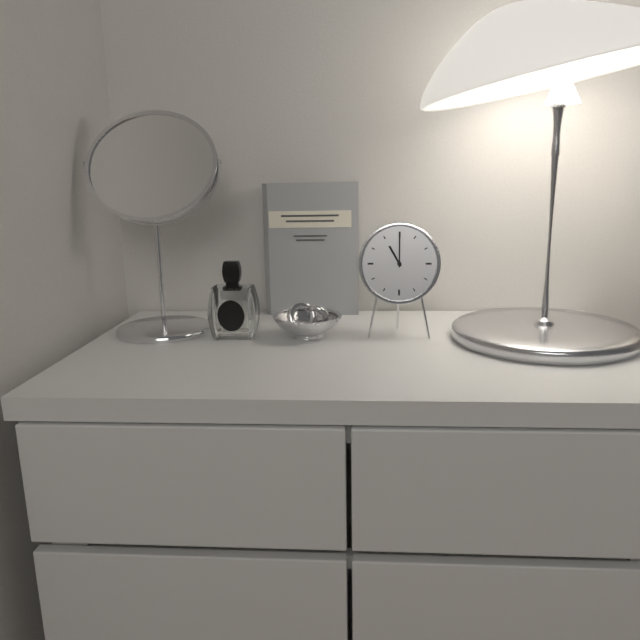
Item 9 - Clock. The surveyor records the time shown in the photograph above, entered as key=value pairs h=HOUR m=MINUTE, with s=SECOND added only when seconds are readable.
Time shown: h=11 m=0
